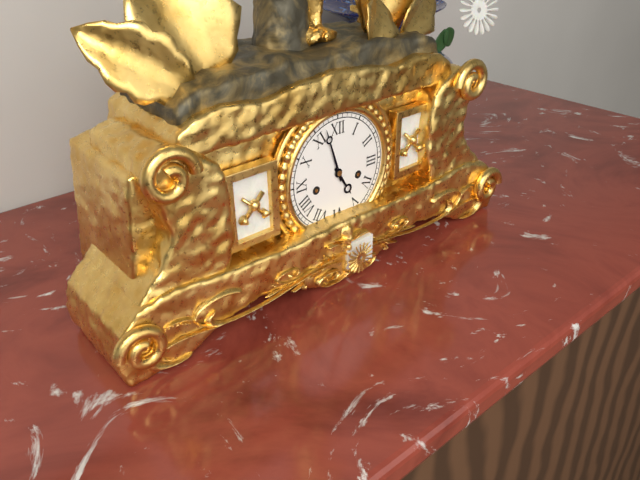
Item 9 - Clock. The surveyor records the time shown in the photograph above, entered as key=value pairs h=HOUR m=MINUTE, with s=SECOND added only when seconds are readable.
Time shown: h=4 m=57
